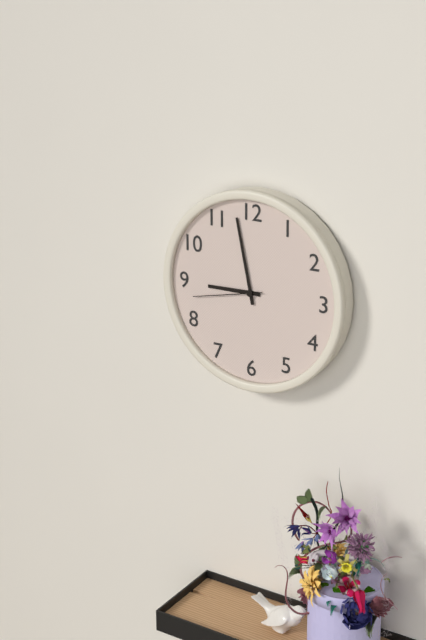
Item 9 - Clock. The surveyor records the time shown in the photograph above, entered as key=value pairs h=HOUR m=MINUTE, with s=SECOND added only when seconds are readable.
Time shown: h=8 m=58 s=43
